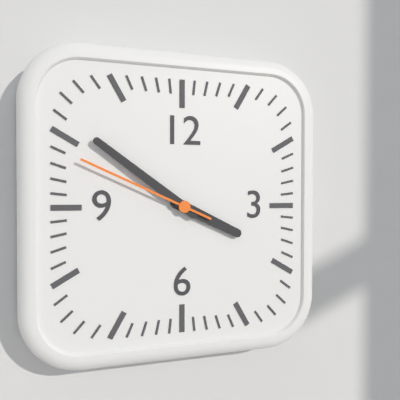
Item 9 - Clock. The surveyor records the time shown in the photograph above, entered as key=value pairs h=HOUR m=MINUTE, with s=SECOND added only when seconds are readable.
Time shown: h=3 m=51 s=49
